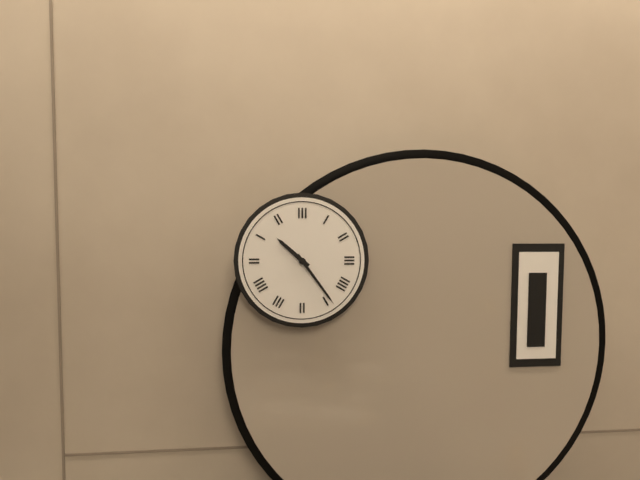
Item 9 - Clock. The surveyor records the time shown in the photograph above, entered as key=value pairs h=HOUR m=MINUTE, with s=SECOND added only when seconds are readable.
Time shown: h=10 m=24
